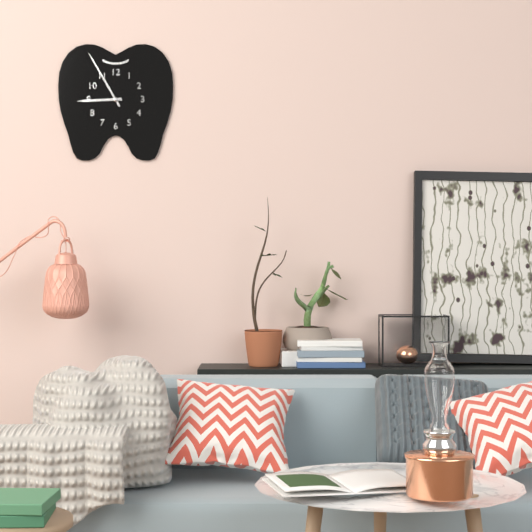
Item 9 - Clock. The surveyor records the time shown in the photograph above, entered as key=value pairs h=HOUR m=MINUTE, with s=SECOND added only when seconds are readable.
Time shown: h=8 m=55
